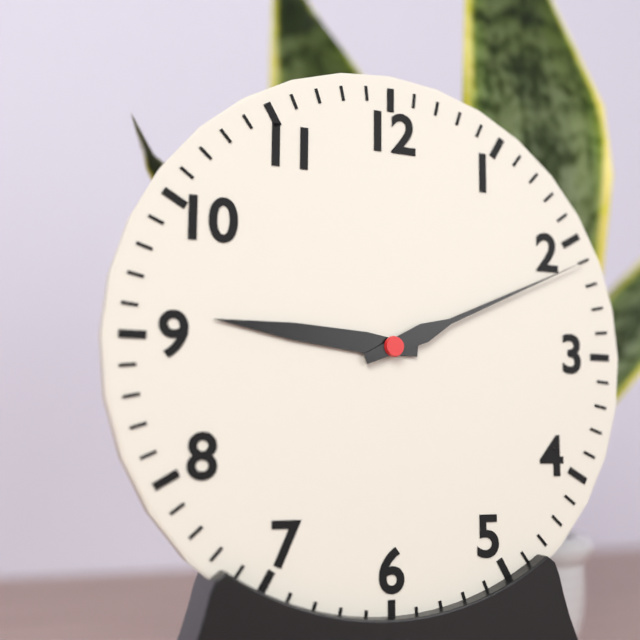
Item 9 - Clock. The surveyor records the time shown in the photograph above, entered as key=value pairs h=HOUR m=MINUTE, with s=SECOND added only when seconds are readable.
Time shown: h=9 m=11
